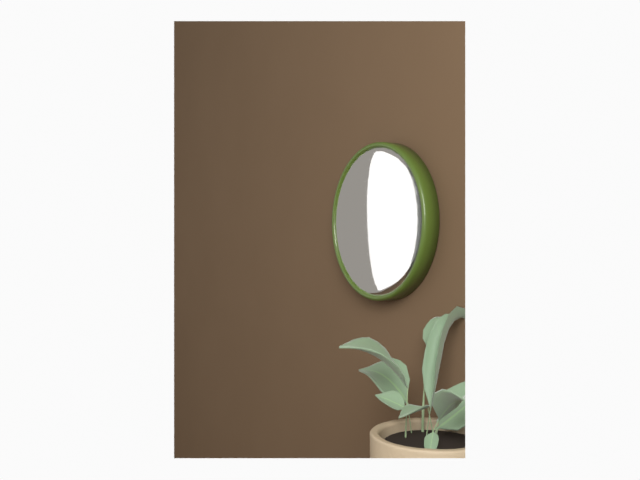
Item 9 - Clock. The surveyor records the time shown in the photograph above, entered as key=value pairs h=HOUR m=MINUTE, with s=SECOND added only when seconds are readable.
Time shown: h=7 m=22
